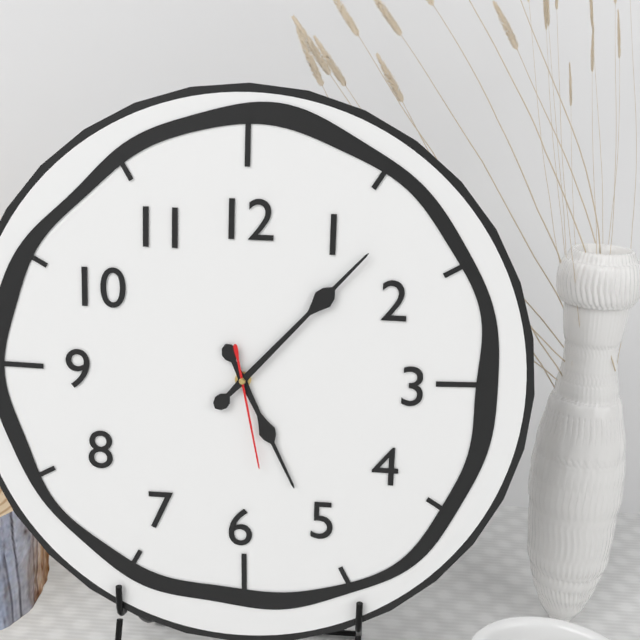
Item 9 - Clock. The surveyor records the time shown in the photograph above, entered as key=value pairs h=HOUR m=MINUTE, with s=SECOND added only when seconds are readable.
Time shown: h=5 m=7 s=28
